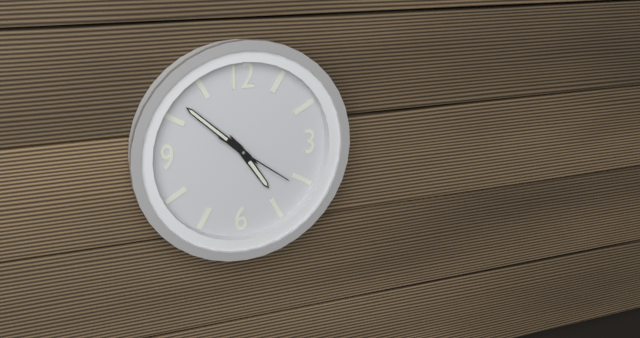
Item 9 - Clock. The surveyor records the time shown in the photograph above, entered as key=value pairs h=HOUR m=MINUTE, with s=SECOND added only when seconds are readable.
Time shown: h=4 m=52 s=21
